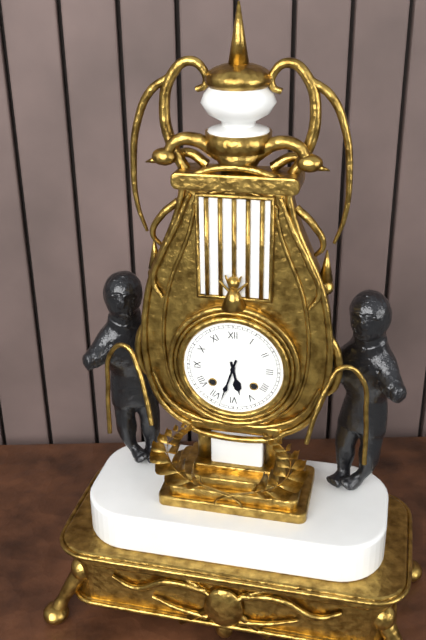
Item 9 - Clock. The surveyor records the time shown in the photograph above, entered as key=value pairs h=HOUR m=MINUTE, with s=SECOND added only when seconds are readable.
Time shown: h=5 m=33
